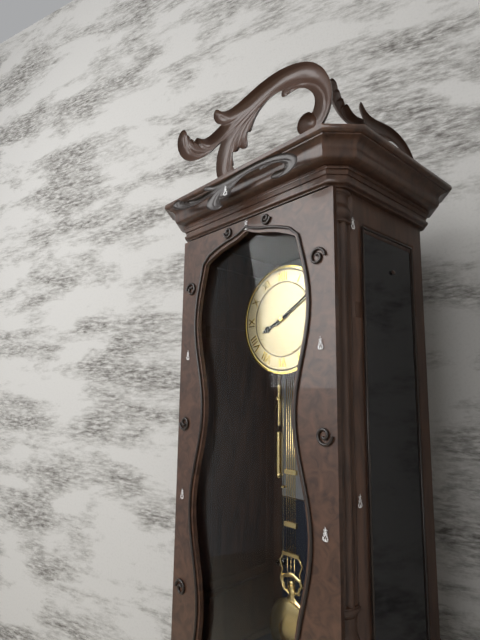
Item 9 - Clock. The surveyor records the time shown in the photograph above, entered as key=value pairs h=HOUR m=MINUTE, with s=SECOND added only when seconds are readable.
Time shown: h=8 m=10
